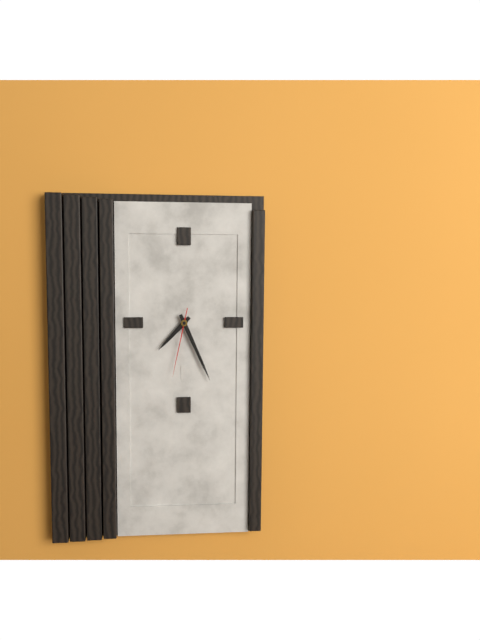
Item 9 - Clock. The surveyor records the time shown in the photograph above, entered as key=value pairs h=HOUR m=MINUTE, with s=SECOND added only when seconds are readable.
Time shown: h=7 m=26 s=32
